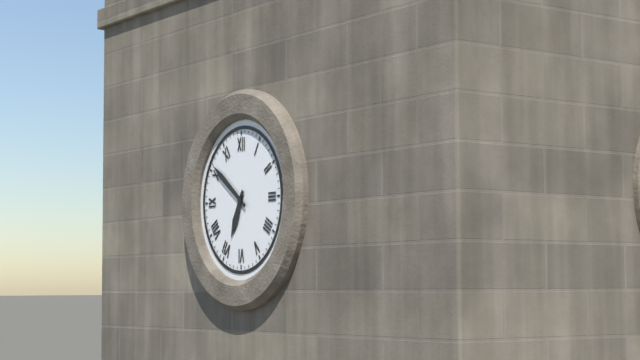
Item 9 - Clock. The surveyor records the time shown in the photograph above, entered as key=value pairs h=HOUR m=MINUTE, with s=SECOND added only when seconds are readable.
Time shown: h=6 m=51
